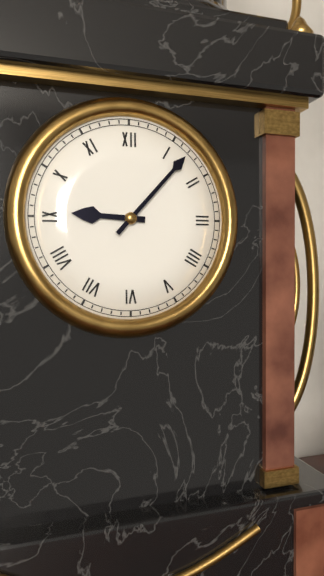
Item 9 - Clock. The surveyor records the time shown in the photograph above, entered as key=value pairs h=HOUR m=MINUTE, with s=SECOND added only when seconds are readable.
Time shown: h=9 m=7
